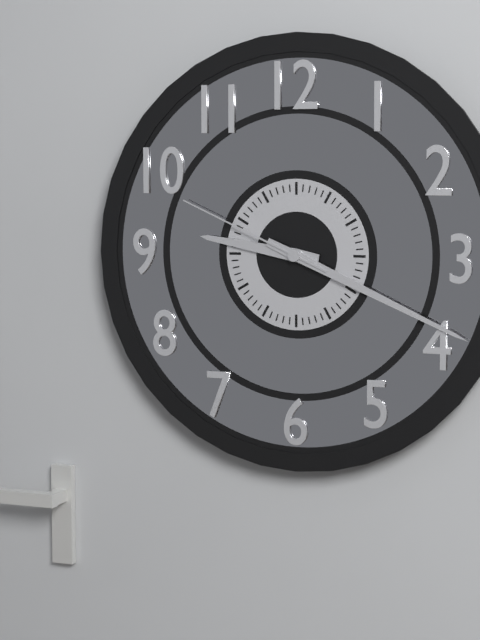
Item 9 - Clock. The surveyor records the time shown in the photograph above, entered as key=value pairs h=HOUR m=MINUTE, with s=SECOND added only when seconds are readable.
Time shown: h=9 m=19 s=49
